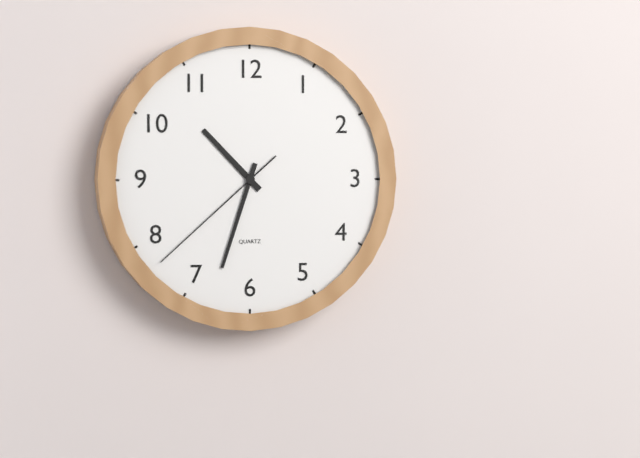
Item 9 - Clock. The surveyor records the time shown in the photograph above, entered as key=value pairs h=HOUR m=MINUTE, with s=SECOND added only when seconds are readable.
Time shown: h=10 m=33 s=38
